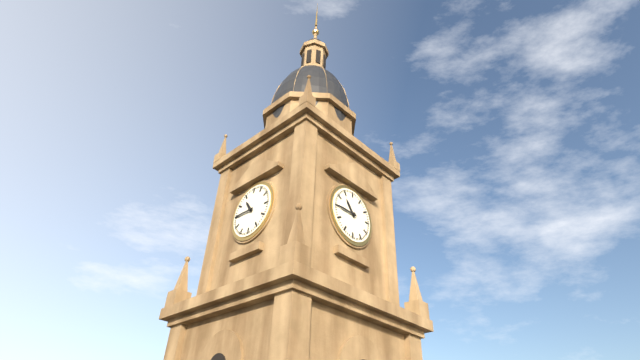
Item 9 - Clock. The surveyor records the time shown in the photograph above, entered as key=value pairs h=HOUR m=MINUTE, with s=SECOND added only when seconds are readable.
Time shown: h=10 m=45
